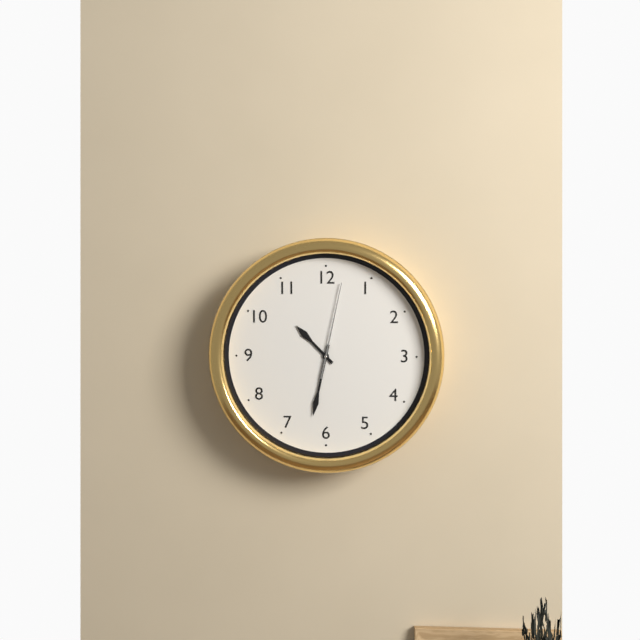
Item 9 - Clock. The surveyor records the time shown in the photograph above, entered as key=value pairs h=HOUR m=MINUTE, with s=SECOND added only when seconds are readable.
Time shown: h=10 m=32 s=2
